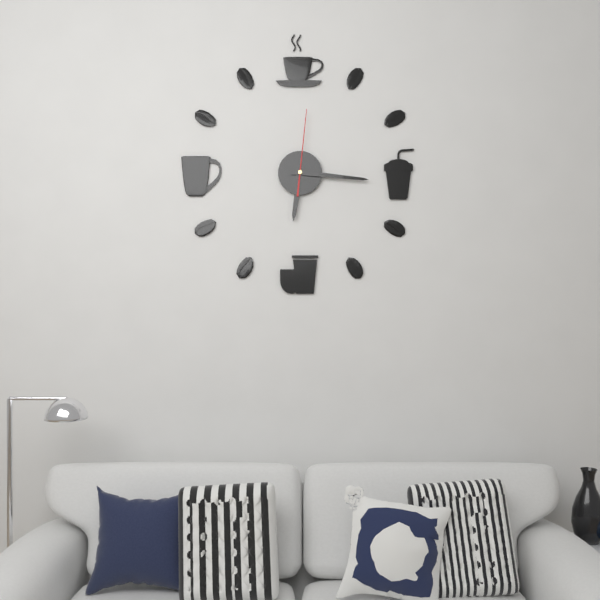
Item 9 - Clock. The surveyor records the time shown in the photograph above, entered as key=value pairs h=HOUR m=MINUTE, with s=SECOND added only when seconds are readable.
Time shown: h=6 m=16 s=1
